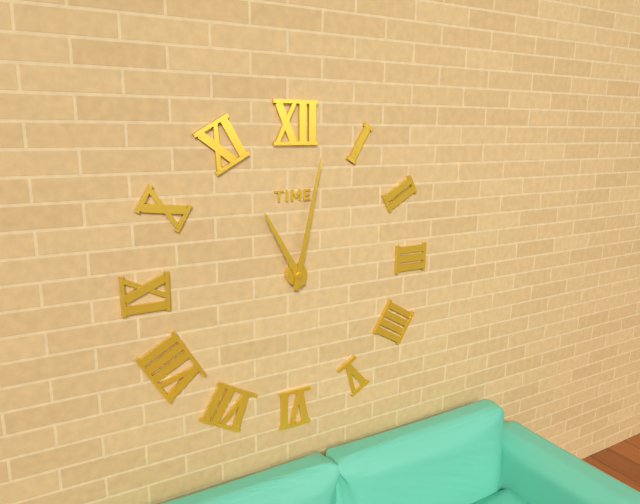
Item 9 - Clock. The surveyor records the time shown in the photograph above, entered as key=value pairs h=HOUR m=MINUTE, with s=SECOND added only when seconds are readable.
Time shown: h=11 m=2
